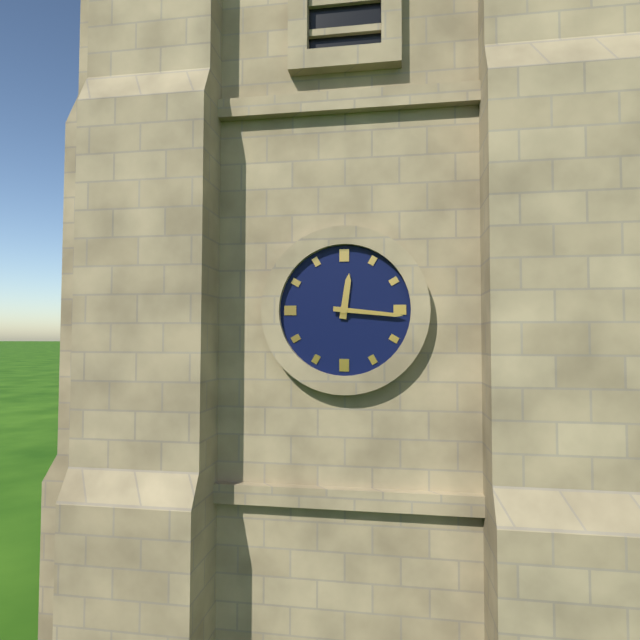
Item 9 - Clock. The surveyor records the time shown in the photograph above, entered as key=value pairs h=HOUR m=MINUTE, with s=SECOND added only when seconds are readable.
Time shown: h=12 m=16
